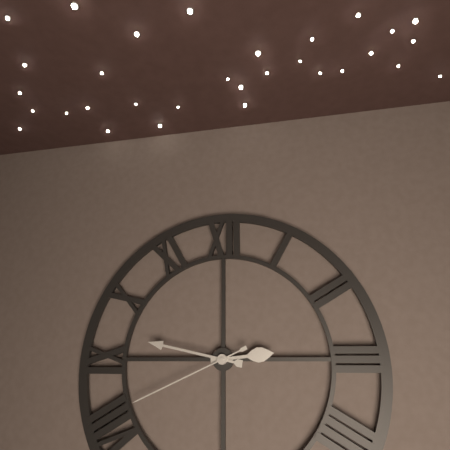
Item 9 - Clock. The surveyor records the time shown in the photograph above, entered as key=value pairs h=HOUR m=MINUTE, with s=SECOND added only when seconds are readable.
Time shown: h=2 m=47 s=41
